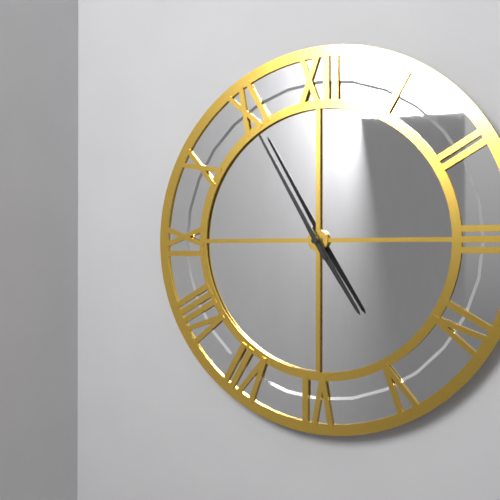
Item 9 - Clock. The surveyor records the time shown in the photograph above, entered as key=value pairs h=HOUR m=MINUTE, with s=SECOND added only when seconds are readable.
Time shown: h=4 m=55
